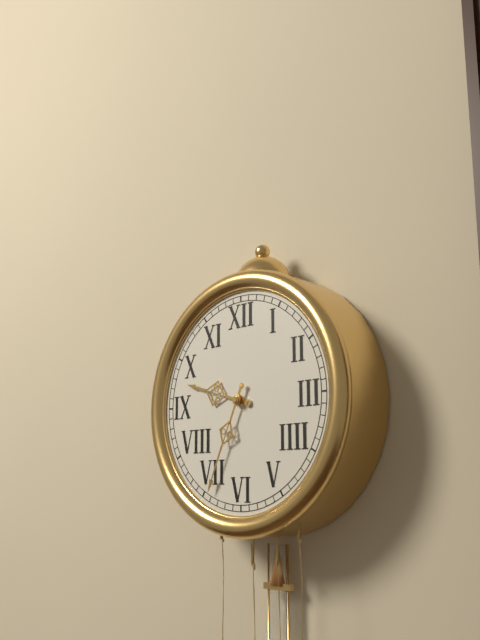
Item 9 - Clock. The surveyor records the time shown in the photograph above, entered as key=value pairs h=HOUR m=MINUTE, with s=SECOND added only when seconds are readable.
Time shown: h=9 m=34
